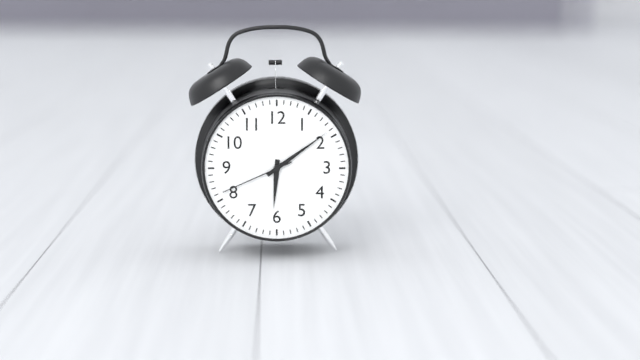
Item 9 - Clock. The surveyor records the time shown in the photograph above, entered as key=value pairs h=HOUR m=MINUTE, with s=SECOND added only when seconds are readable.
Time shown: h=6 m=9 s=41
